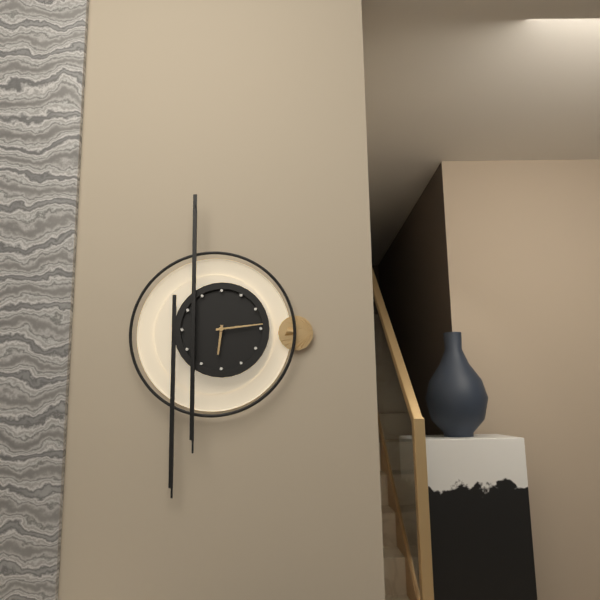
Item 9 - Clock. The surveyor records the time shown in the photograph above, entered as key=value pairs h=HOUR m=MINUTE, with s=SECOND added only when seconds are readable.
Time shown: h=6 m=14
